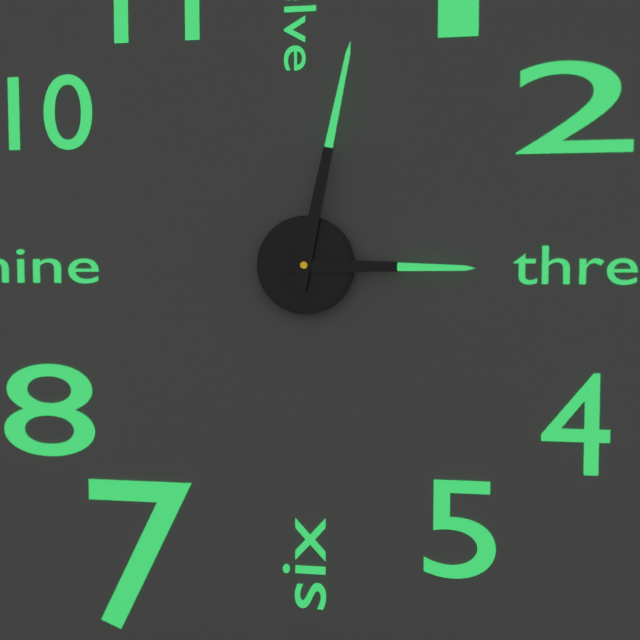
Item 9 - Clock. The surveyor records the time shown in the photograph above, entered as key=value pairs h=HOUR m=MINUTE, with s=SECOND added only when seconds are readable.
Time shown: h=3 m=2
